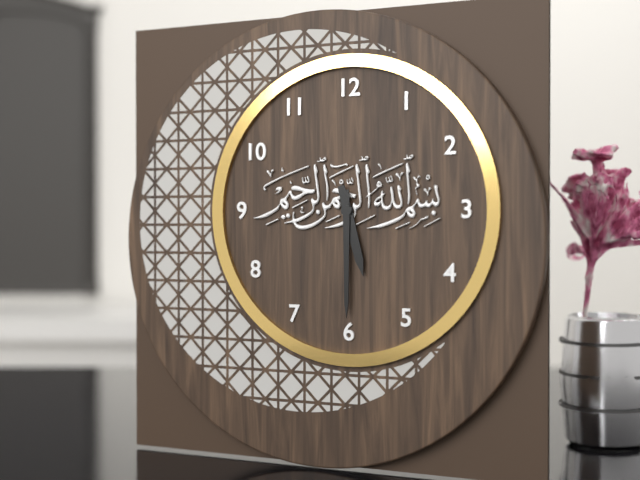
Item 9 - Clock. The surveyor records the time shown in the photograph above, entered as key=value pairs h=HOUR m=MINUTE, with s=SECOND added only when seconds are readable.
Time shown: h=5 m=30
